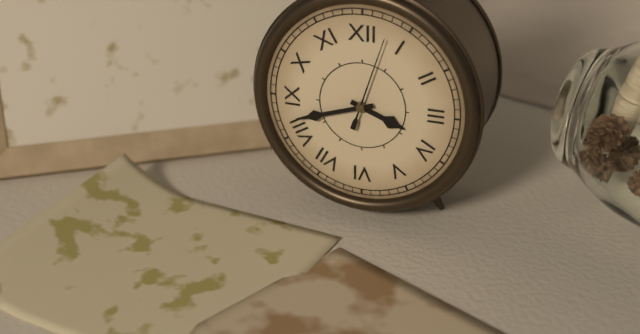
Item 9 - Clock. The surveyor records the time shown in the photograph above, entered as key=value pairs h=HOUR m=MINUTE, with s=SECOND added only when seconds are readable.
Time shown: h=3 m=42 s=3
